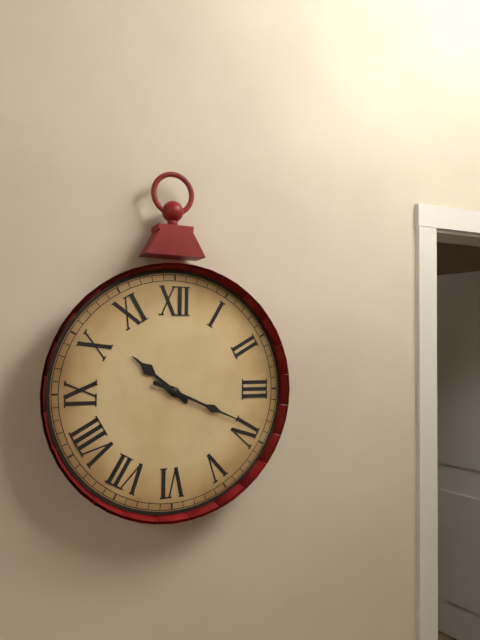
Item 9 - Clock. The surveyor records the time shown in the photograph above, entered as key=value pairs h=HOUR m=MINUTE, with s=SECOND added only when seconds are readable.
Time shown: h=10 m=19
